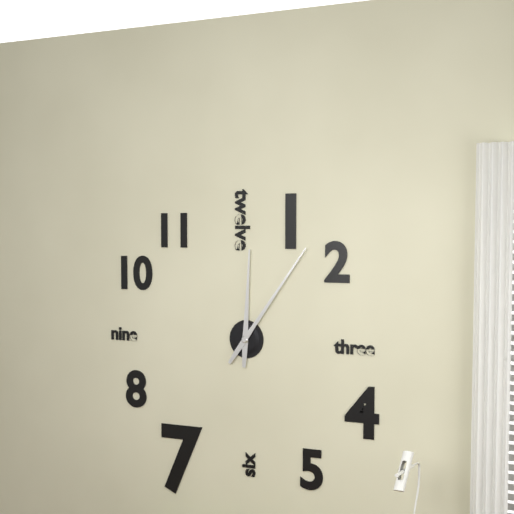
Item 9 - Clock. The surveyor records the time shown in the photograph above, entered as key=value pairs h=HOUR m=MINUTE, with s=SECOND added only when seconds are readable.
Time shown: h=12 m=6
